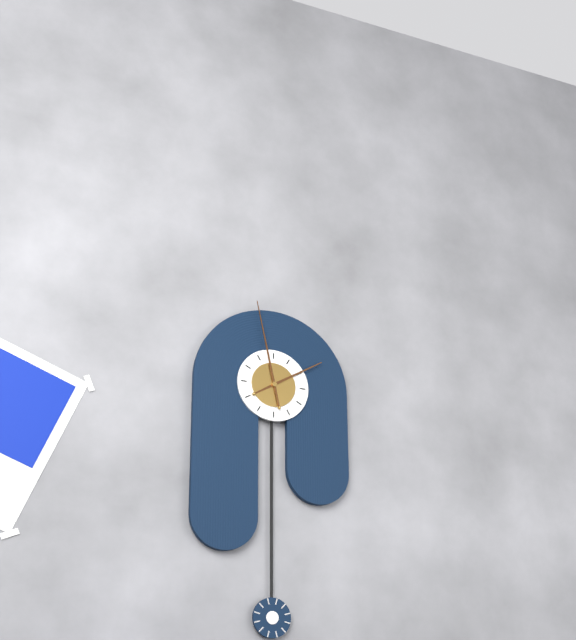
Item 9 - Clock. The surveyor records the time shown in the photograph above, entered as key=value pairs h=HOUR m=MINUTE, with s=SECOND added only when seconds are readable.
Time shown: h=1 m=58
